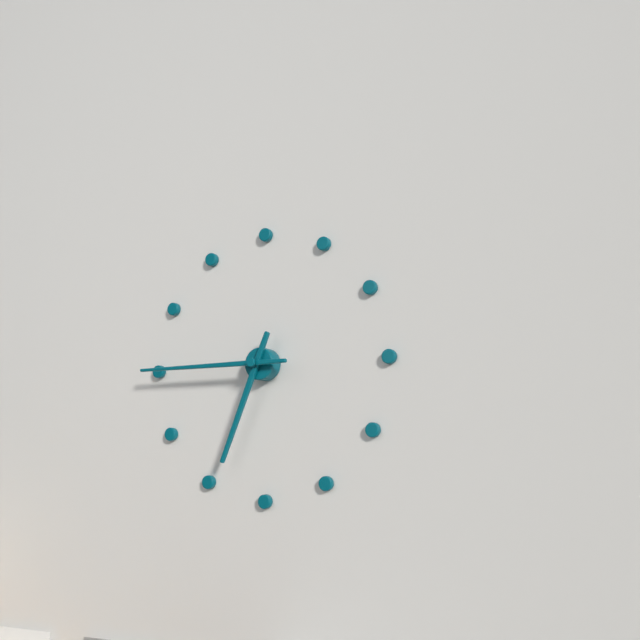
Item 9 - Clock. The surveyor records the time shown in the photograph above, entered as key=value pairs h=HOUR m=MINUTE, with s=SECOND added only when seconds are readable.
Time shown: h=6 m=45
